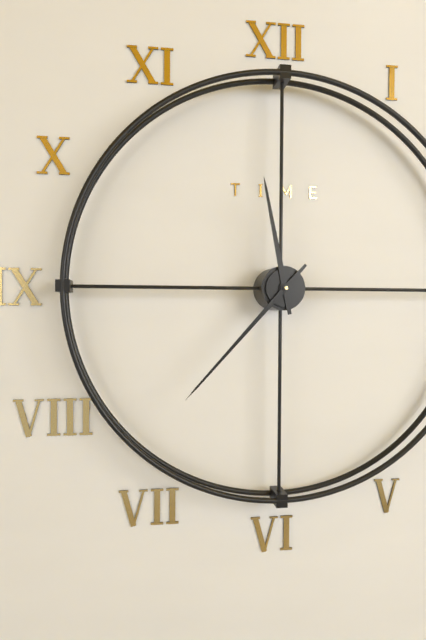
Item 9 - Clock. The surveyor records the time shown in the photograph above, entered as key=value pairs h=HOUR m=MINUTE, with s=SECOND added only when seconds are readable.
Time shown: h=11 m=37
